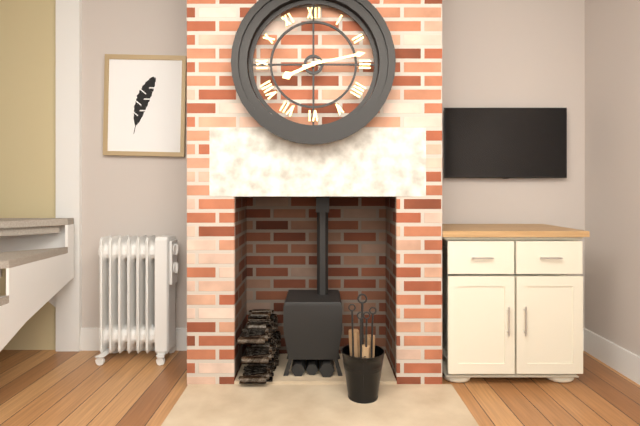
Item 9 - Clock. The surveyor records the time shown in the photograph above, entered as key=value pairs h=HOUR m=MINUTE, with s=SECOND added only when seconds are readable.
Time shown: h=8 m=13
